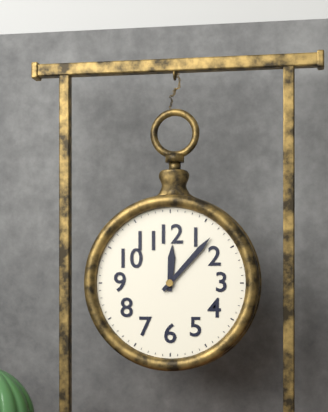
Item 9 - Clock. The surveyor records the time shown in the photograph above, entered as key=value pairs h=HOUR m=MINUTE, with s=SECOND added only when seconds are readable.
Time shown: h=12 m=7
